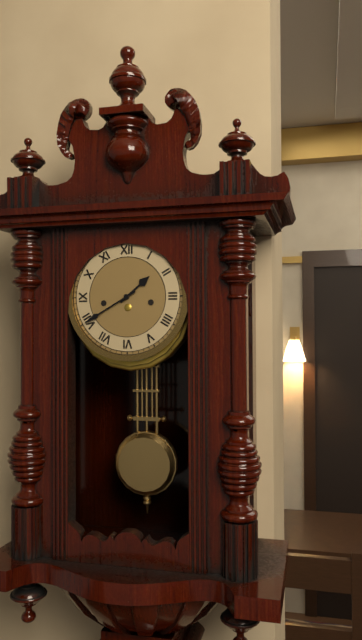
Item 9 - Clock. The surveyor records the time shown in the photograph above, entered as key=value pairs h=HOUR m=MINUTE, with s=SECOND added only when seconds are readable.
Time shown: h=1 m=40
